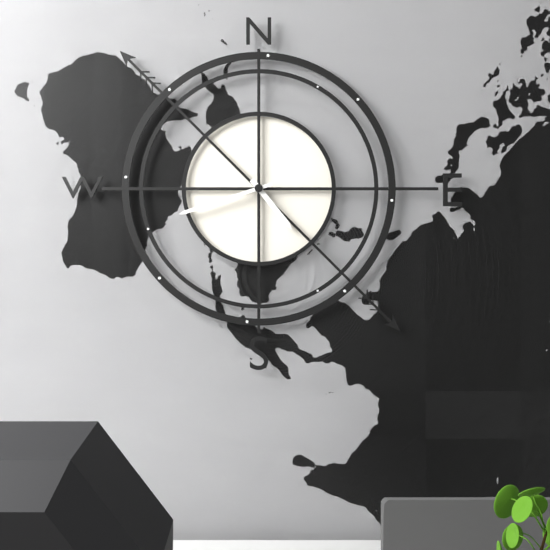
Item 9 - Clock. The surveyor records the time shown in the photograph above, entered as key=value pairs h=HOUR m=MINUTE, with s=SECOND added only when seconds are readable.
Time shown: h=4 m=42
